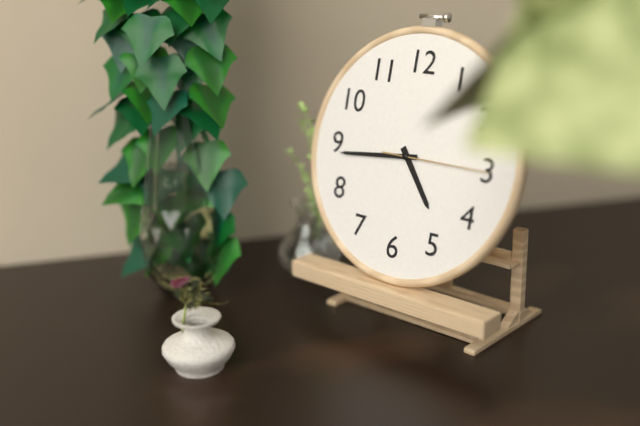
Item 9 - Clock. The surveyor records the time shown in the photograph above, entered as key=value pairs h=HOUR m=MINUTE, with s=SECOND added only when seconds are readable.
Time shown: h=4 m=44 s=15
